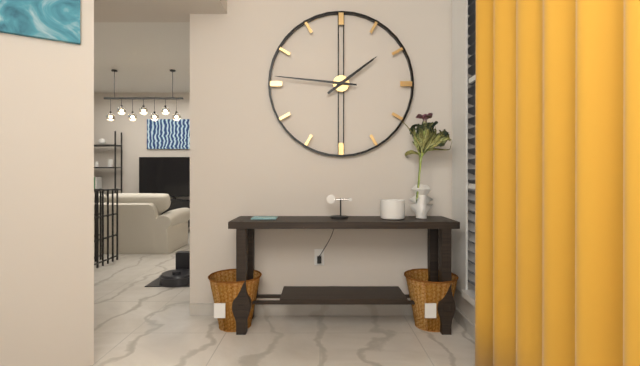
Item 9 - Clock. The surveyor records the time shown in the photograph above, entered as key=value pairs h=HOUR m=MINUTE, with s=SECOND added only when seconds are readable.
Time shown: h=1 m=46
